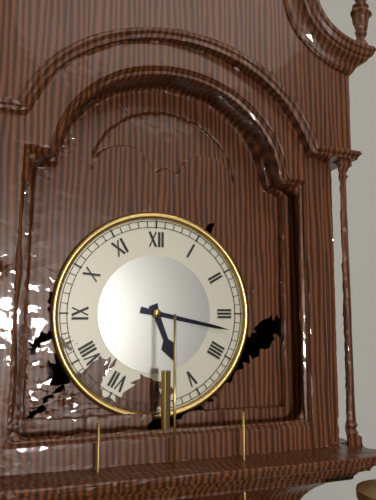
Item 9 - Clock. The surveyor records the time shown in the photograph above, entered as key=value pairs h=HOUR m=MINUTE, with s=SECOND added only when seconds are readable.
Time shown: h=5 m=17
